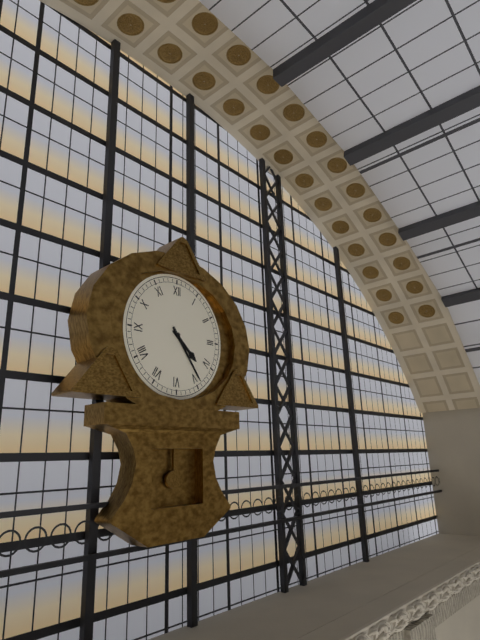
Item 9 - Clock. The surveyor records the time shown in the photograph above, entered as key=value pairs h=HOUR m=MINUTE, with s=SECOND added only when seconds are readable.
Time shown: h=4 m=24
